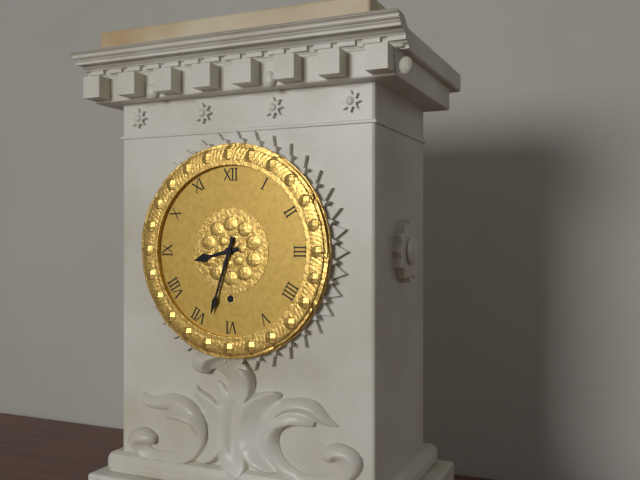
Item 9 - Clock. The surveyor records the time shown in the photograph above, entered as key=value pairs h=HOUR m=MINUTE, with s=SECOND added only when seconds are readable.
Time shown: h=8 m=33
